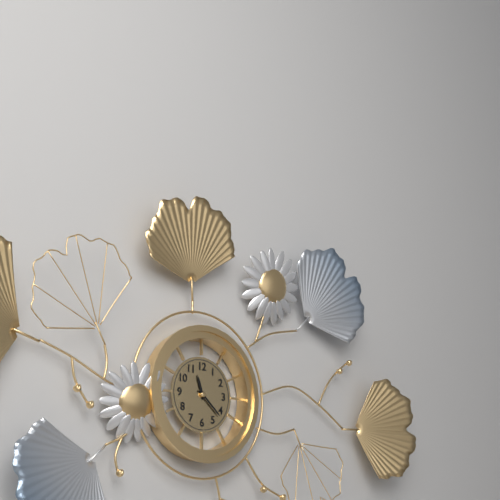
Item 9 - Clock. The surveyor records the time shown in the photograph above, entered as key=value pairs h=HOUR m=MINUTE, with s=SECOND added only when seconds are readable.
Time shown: h=11 m=22
